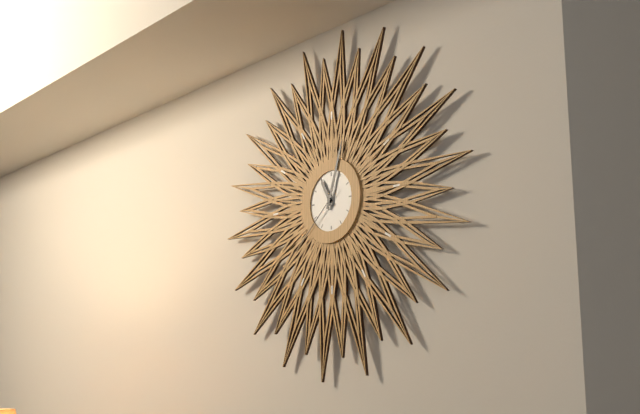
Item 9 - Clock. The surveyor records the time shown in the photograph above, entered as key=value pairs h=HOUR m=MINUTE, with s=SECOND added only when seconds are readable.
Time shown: h=11 m=3 s=38
